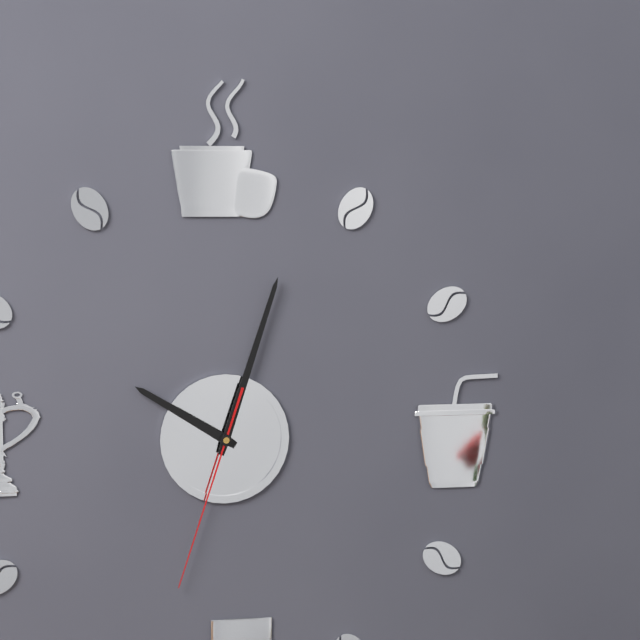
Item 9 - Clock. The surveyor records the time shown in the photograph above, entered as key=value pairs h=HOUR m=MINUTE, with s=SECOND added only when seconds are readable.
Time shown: h=10 m=3 s=33
